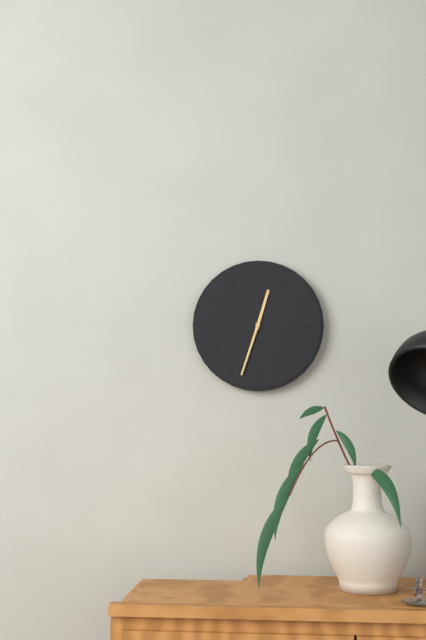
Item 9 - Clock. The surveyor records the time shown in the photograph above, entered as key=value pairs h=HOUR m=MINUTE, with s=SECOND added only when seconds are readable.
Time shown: h=12 m=33
